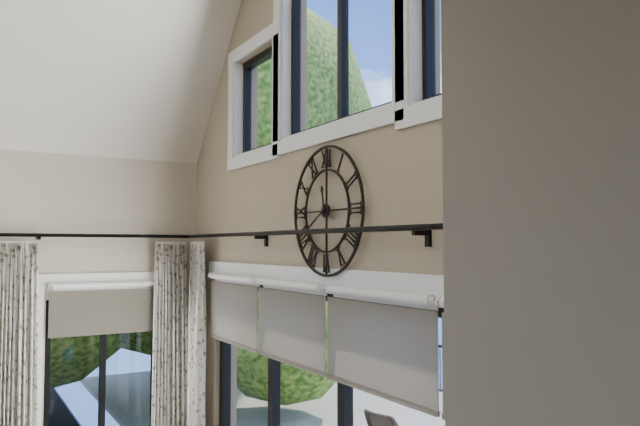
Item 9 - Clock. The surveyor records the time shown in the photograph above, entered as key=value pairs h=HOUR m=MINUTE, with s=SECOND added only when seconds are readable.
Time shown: h=11 m=40
